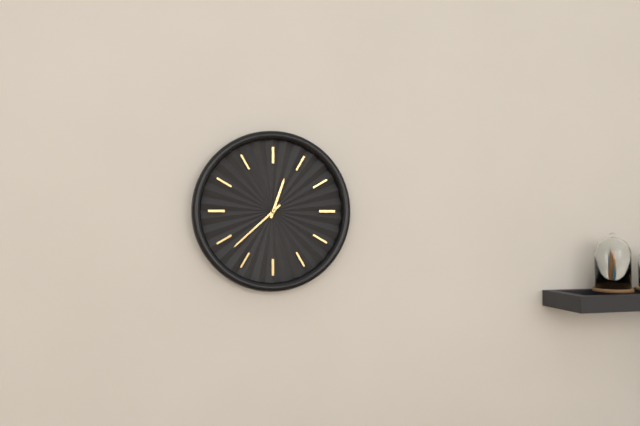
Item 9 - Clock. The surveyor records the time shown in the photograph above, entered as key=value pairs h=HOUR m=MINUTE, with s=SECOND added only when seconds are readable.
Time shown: h=12 m=38
